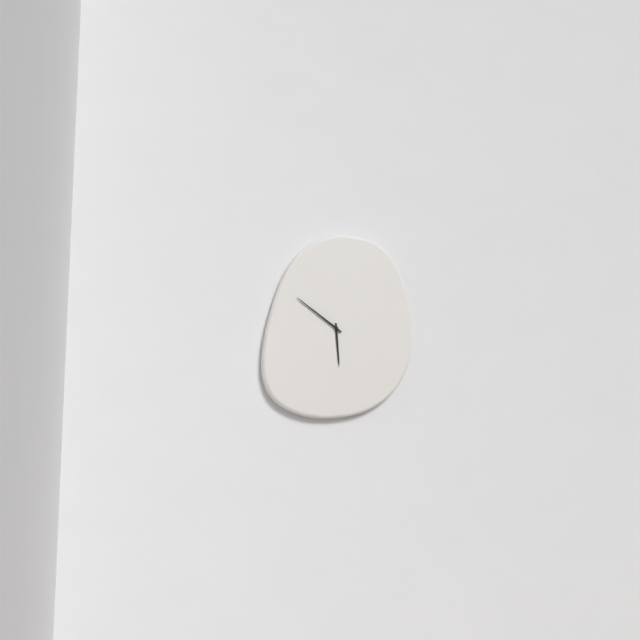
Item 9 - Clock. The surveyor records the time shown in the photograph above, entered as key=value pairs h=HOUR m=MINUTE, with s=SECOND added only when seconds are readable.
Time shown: h=5 m=51
